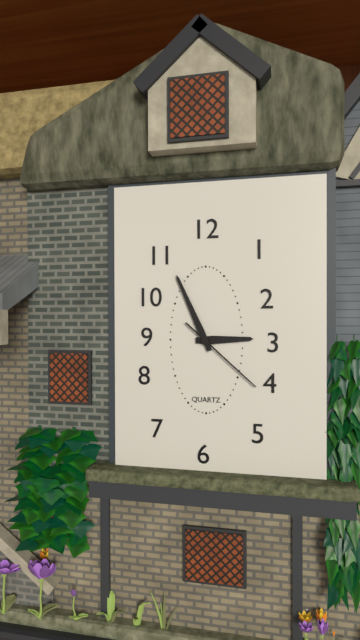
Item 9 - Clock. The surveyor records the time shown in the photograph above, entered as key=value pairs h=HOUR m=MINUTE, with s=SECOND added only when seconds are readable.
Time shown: h=2 m=56 s=22
